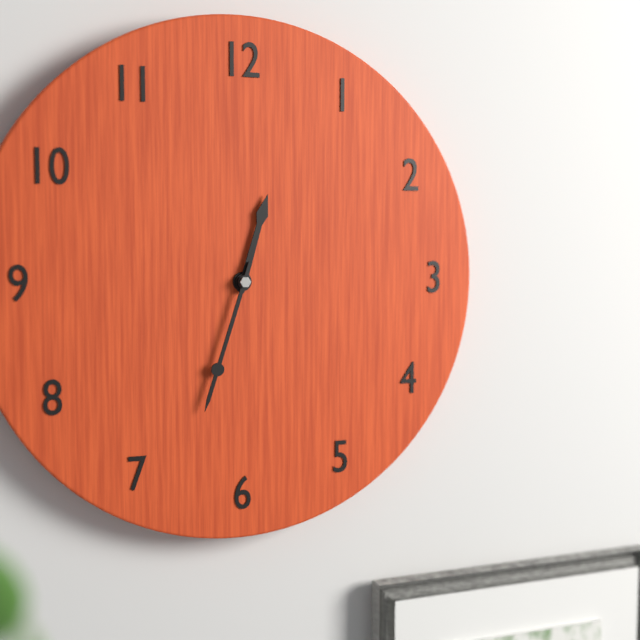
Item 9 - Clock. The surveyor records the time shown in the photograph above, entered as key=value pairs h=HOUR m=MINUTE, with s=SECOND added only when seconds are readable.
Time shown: h=12 m=33
